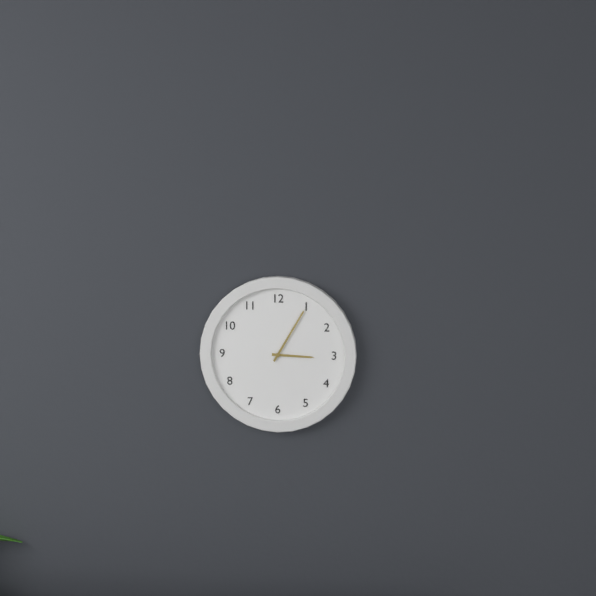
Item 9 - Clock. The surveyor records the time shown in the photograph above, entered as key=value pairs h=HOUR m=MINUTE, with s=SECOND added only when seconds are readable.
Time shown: h=3 m=5
